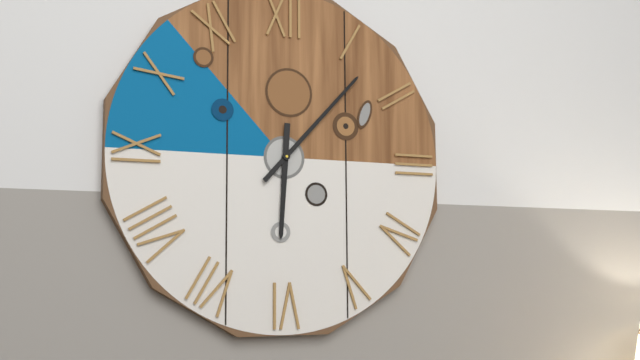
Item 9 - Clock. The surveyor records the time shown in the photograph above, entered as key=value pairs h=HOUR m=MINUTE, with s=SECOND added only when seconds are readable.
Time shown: h=6 m=7
